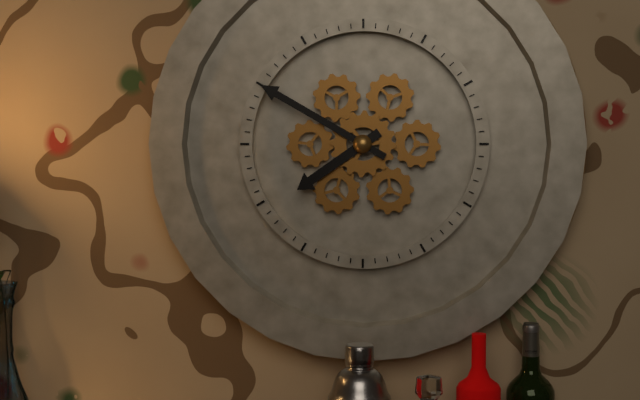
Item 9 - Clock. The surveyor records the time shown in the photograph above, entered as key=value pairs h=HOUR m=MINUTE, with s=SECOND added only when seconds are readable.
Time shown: h=7 m=50
